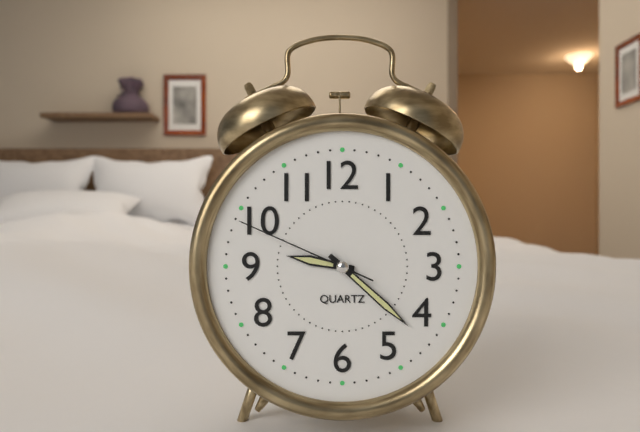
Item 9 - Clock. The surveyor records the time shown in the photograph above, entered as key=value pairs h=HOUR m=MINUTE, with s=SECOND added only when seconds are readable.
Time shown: h=9 m=22 s=49
